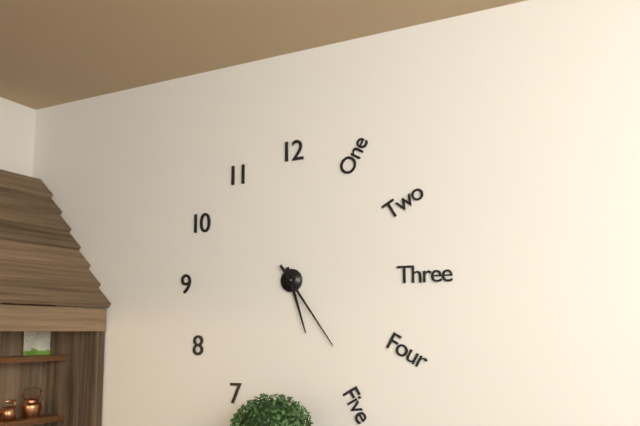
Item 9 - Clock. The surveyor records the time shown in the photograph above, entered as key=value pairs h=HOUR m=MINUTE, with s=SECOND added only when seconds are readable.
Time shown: h=5 m=24
